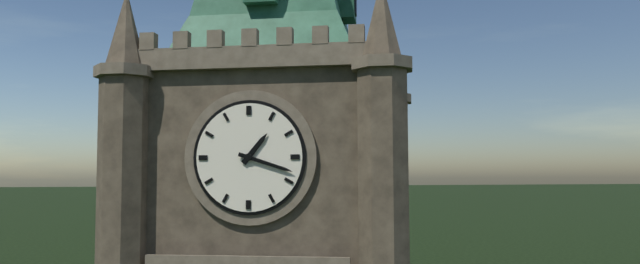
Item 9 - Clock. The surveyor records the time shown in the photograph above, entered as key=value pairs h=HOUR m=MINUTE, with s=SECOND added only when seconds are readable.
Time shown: h=1 m=18
